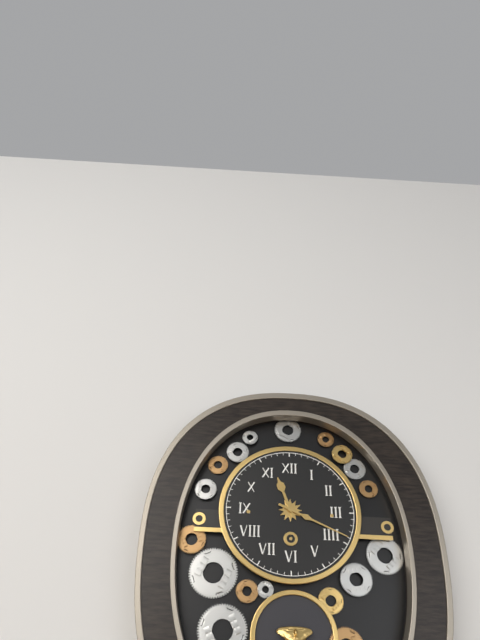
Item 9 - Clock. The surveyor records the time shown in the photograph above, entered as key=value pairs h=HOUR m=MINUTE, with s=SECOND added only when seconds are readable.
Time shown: h=11 m=19
